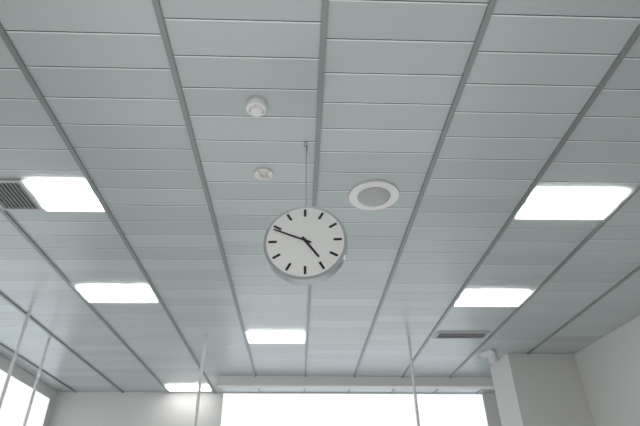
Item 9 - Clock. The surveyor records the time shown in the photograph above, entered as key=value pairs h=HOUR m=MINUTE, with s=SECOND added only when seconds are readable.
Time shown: h=4 m=49
